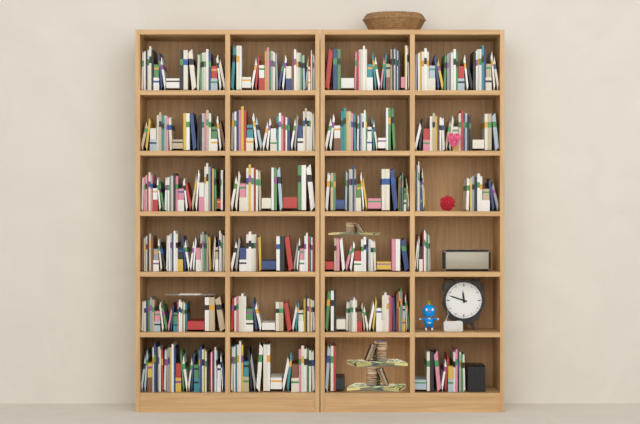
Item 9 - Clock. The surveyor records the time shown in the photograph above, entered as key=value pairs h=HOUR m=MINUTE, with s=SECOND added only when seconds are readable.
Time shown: h=11 m=48
